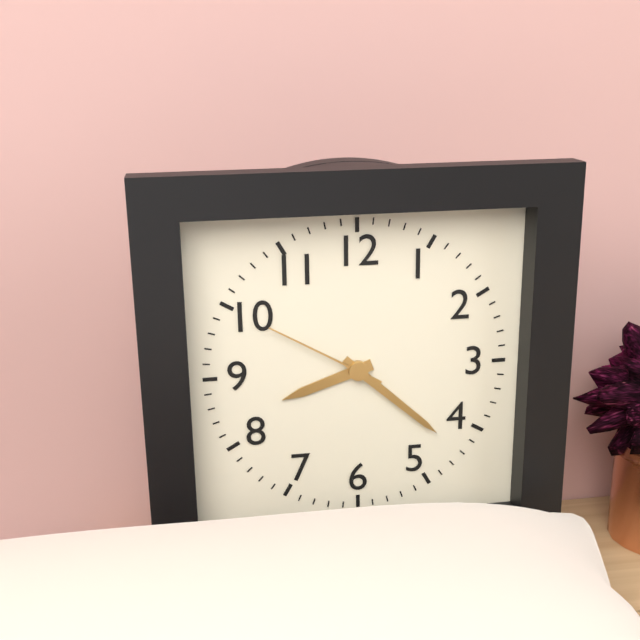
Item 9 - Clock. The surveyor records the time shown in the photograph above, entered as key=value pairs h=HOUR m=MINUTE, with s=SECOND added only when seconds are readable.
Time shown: h=8 m=22 s=50
